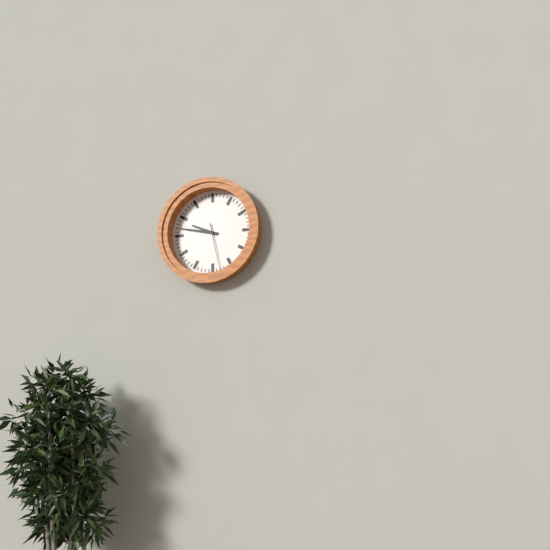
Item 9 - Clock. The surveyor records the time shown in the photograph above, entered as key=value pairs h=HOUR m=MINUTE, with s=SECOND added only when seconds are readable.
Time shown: h=9 m=47
